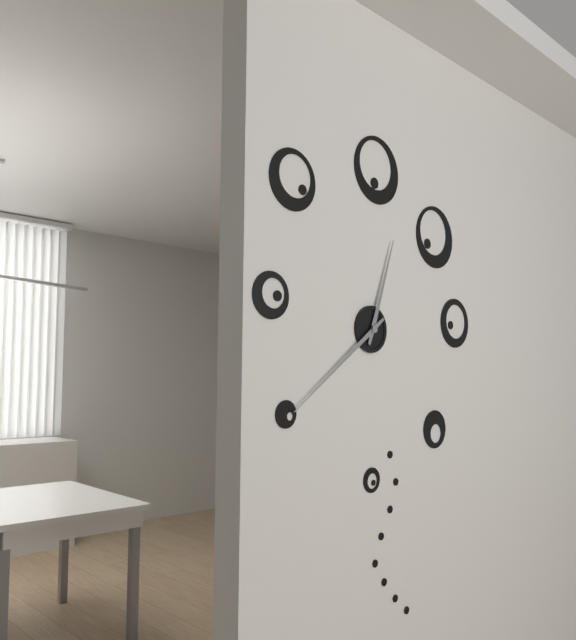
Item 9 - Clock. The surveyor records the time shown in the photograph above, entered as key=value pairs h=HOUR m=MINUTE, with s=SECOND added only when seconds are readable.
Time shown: h=12 m=39
